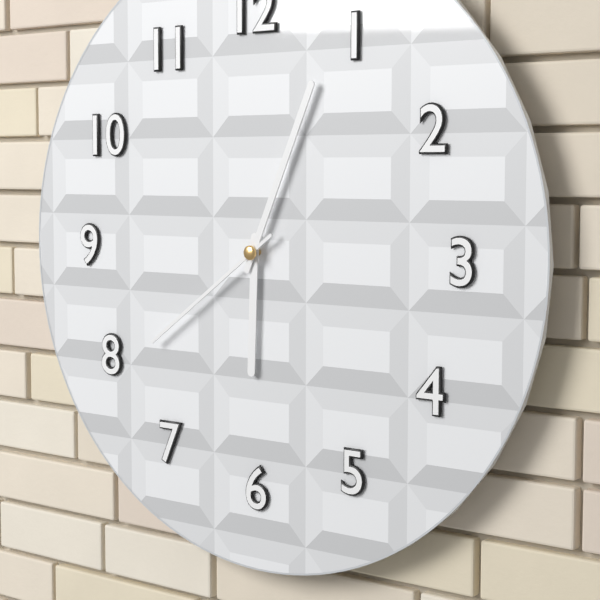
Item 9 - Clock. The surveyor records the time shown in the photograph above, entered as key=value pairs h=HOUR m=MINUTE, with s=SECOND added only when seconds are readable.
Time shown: h=6 m=4 s=39
